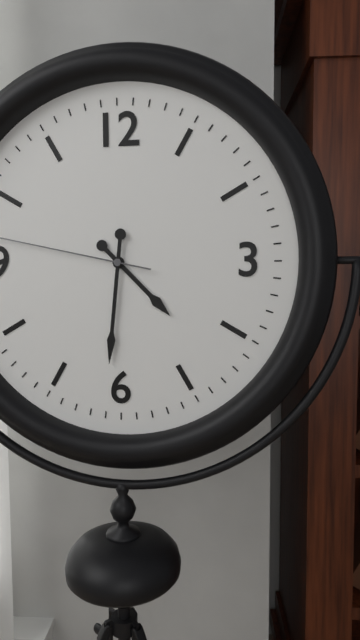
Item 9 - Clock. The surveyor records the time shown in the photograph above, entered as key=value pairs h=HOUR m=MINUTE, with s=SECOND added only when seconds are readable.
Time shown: h=4 m=31
